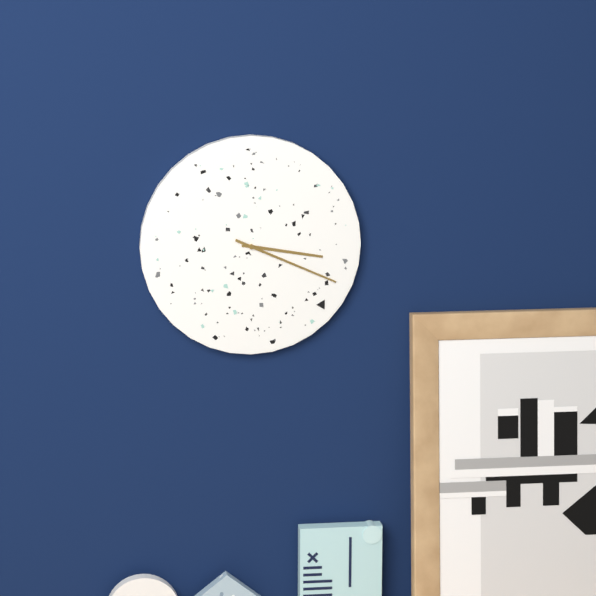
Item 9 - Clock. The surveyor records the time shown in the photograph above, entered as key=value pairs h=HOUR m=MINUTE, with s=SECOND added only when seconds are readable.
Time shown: h=3 m=19
